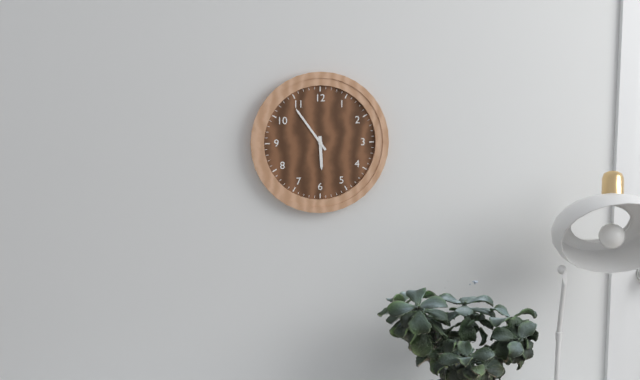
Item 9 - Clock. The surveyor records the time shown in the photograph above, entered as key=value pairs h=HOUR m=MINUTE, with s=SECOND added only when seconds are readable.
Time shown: h=5 m=54
